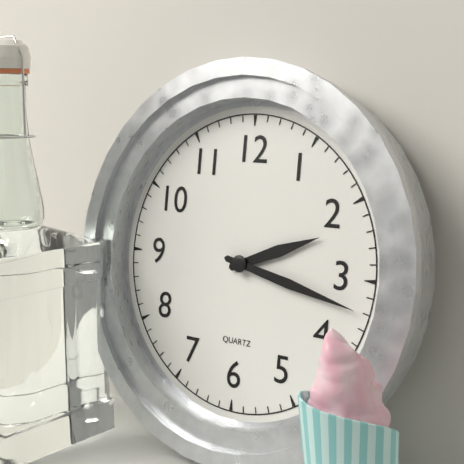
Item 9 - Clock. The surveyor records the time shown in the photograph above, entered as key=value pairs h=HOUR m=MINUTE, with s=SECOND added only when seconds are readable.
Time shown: h=2 m=17
